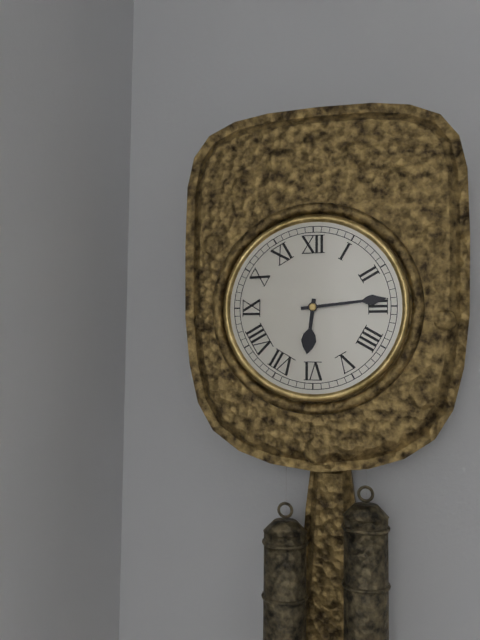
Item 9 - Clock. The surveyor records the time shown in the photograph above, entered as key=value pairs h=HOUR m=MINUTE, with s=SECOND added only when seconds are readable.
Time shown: h=6 m=14
